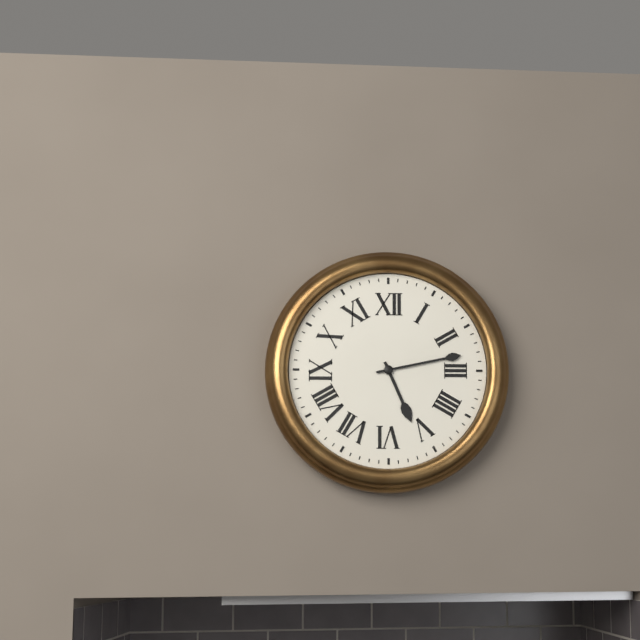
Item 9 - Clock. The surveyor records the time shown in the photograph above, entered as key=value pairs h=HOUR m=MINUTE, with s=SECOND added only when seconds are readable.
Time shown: h=5 m=13
